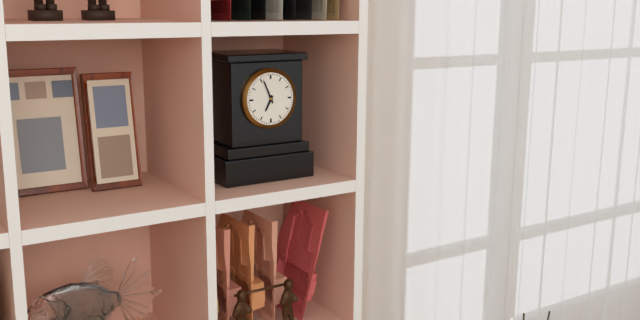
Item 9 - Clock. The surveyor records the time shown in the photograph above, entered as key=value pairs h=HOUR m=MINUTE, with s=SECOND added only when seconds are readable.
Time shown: h=6 m=56
